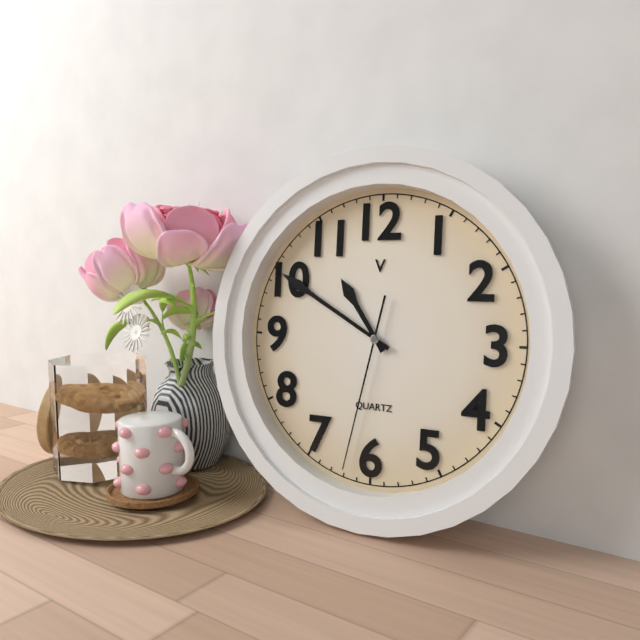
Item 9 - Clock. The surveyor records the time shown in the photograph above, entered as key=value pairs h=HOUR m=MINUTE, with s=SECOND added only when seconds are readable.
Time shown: h=10 m=50 s=32
